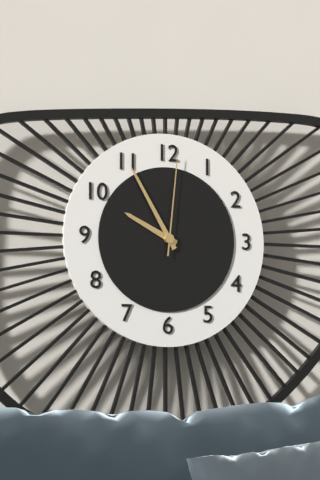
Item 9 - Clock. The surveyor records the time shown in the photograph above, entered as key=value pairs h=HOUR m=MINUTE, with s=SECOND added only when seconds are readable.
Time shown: h=9 m=55 s=1
